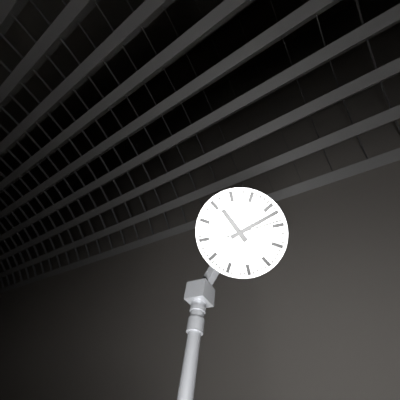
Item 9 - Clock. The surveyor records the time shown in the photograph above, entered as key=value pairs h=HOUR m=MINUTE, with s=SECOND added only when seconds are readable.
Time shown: h=11 m=12 s=14
